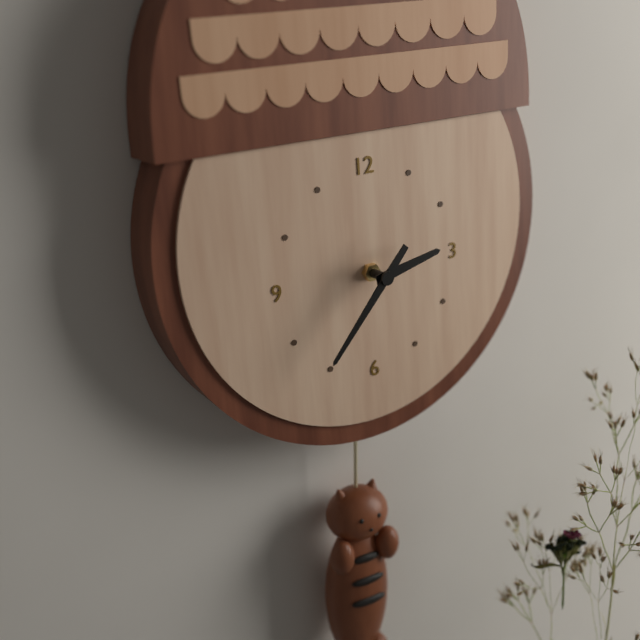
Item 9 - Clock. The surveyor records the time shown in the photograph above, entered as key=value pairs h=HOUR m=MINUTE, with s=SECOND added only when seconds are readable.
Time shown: h=2 m=37
